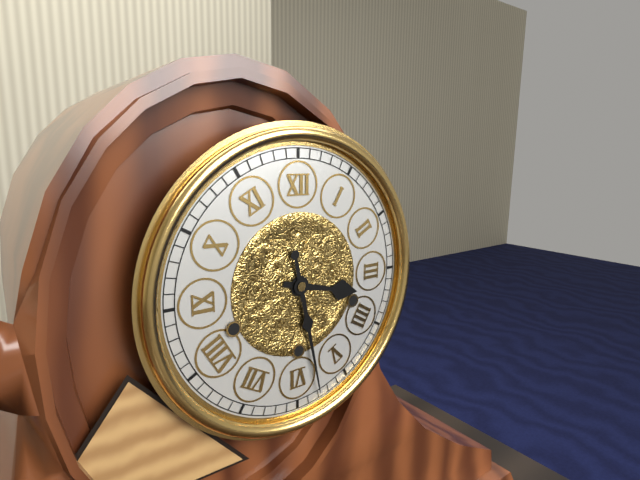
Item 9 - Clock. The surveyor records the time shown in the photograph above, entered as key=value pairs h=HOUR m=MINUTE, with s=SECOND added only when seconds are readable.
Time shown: h=3 m=28
